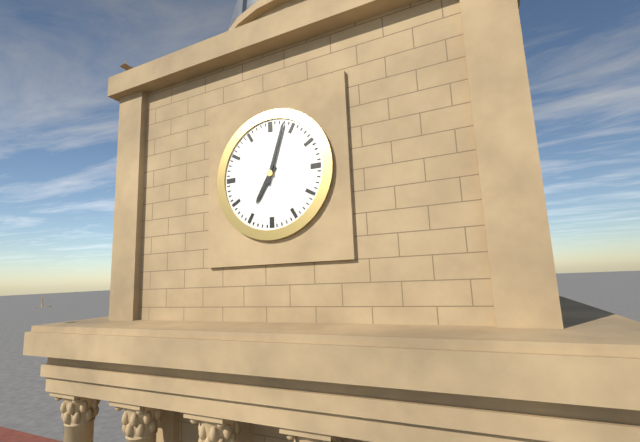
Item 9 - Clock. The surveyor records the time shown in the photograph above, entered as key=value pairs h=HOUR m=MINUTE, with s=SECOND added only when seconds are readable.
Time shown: h=7 m=3
